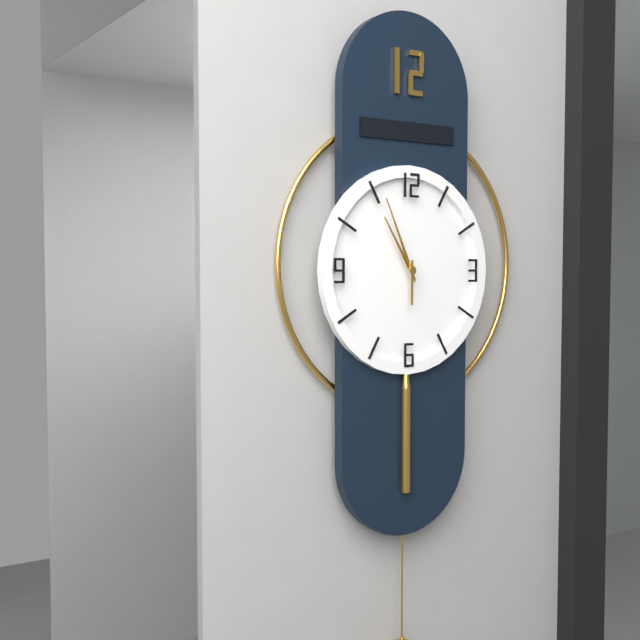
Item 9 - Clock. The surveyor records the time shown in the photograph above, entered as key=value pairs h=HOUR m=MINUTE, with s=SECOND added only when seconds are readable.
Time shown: h=10 m=56
